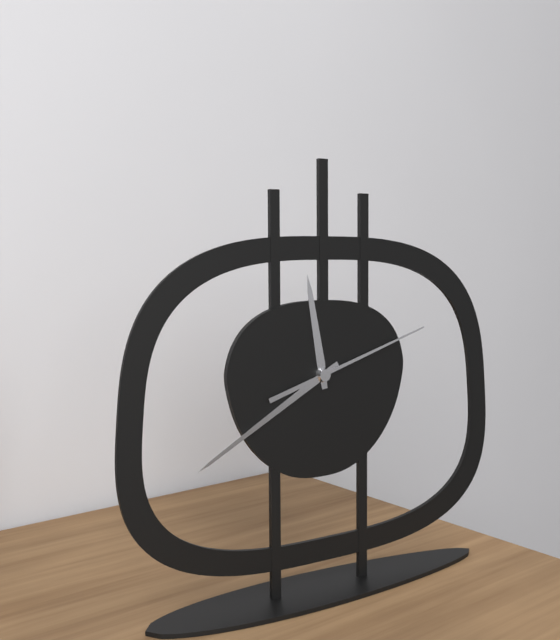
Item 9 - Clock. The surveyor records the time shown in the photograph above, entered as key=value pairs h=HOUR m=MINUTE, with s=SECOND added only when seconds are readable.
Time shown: h=11 m=40 s=12
